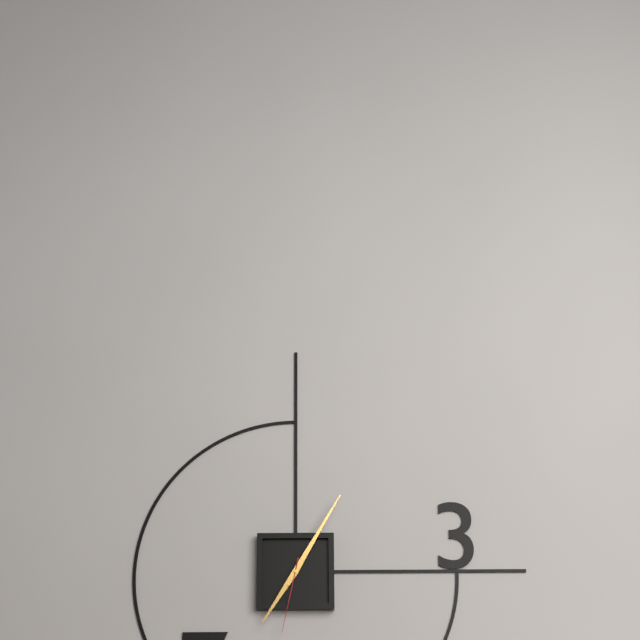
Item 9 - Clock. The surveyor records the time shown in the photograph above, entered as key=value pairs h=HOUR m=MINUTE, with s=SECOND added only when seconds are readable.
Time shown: h=7 m=5 s=32
